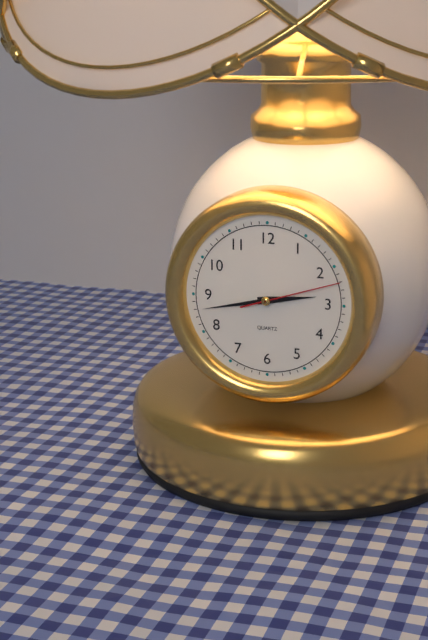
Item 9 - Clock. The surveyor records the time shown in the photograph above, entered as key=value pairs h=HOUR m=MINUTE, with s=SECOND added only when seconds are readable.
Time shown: h=2 m=43 s=12
